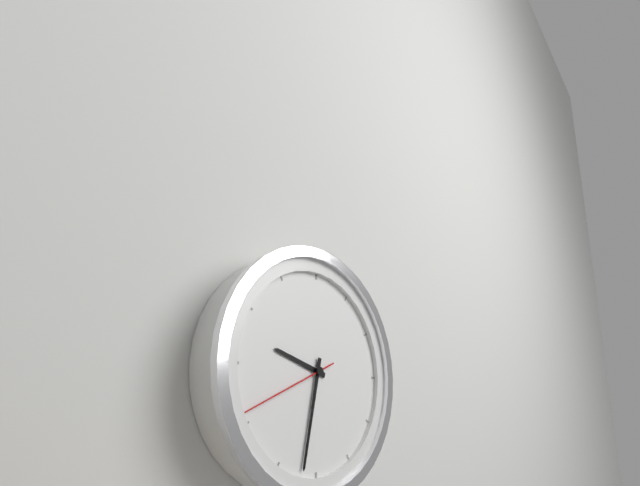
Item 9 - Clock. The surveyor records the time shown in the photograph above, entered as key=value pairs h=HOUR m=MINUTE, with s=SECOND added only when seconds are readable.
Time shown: h=9 m=32 s=41
